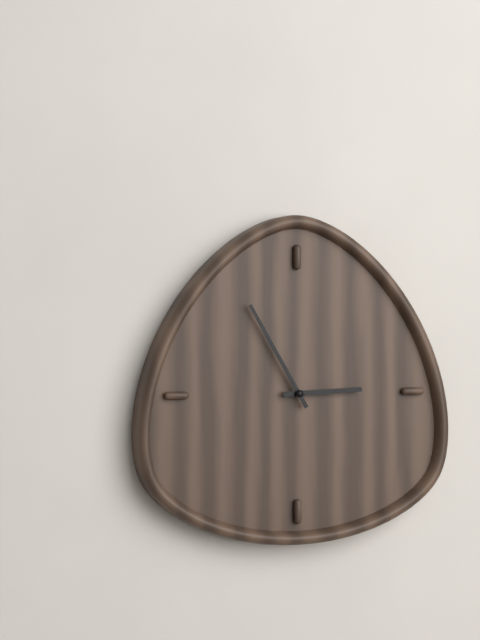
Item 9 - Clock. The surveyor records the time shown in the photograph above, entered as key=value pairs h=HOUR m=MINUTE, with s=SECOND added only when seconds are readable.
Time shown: h=2 m=55
